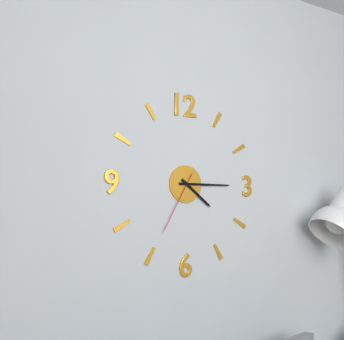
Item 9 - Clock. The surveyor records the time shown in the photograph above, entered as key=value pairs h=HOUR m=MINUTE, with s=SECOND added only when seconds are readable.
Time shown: h=4 m=15 s=35
